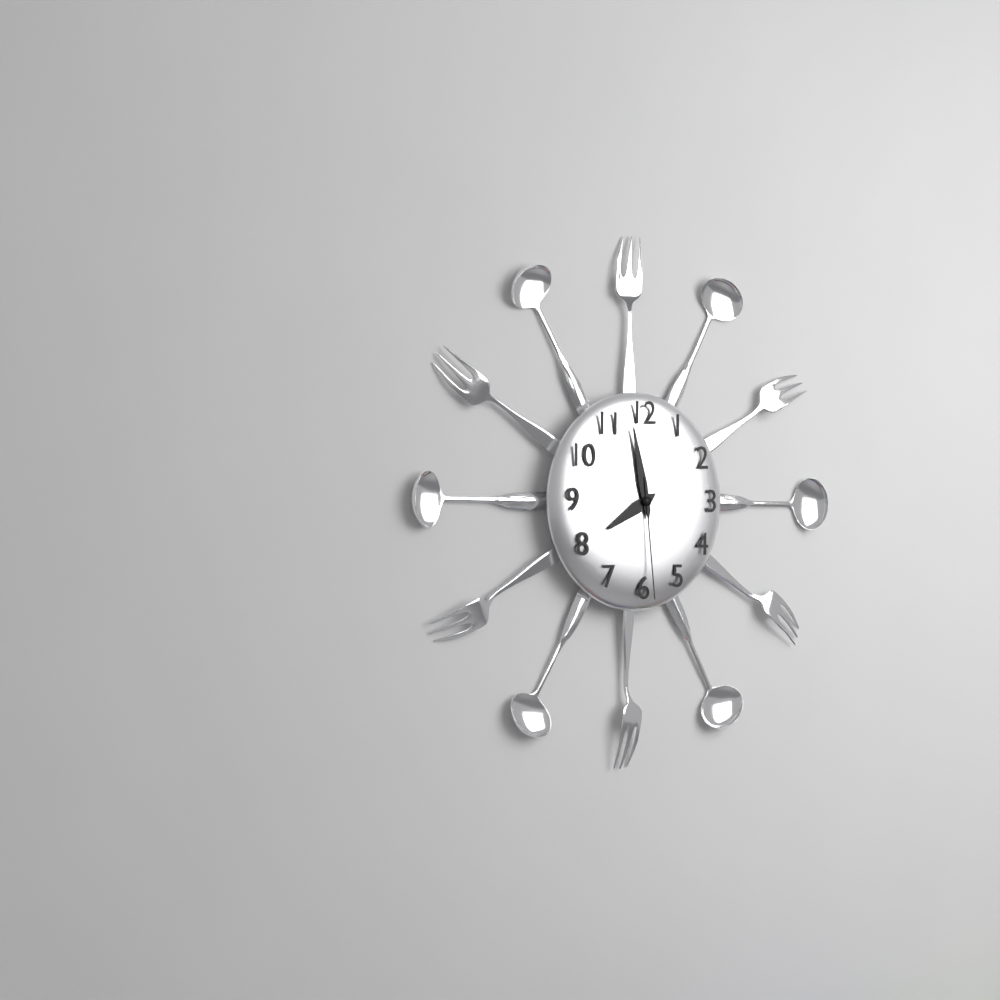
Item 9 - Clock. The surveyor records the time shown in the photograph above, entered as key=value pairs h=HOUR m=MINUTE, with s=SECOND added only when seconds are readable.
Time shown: h=7 m=58 s=29
